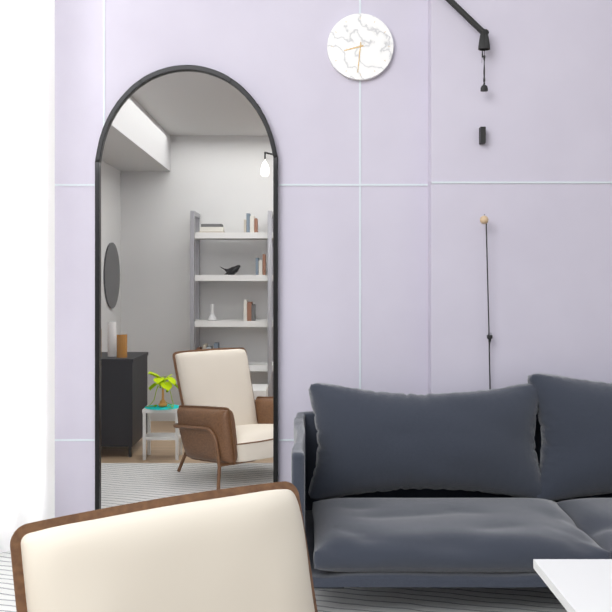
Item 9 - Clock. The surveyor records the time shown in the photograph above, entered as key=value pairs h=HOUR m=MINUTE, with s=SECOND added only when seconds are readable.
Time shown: h=8 m=31
